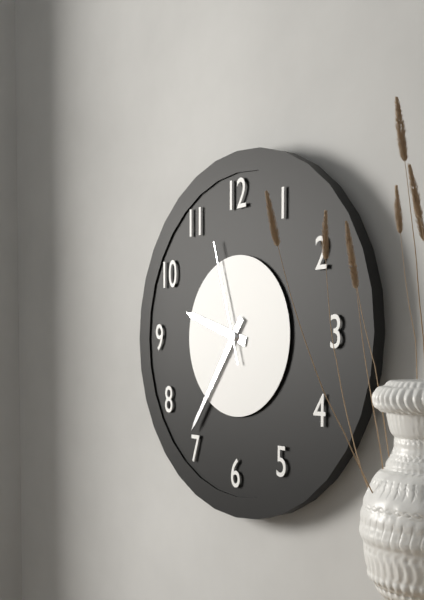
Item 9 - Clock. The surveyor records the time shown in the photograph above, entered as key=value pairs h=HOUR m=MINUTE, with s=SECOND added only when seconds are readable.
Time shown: h=9 m=36 s=57
